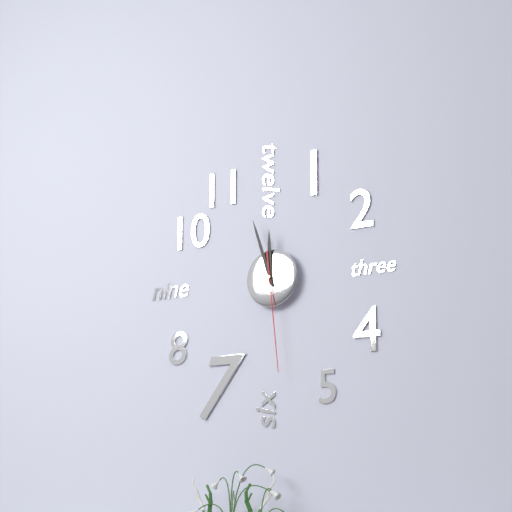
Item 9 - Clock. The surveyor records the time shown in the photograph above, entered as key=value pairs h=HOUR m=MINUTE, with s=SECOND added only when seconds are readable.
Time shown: h=11 m=57 s=29
